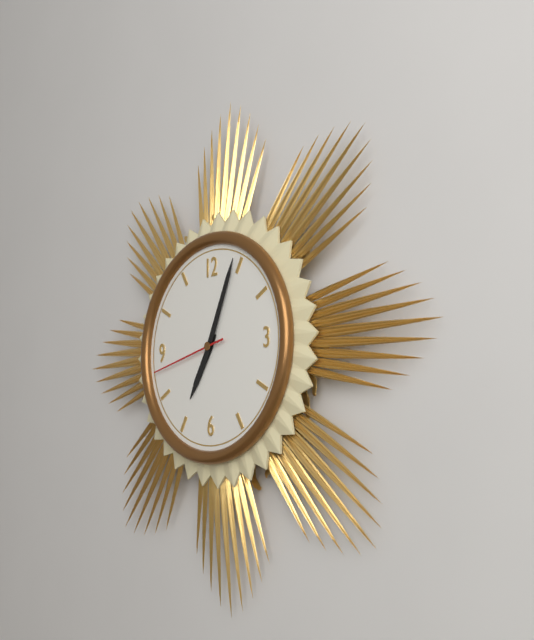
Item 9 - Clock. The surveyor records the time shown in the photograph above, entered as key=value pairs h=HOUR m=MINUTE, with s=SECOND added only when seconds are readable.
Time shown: h=7 m=4 s=43
